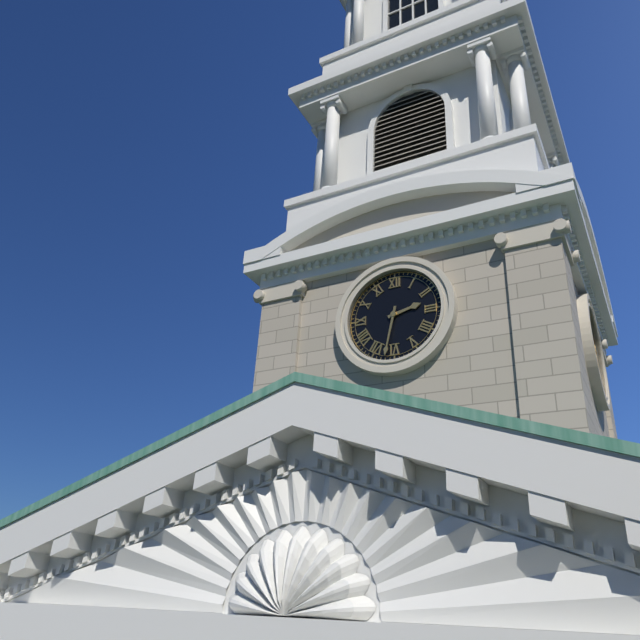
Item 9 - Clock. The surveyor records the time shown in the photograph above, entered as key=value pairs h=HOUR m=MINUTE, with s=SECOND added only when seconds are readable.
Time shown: h=2 m=32
